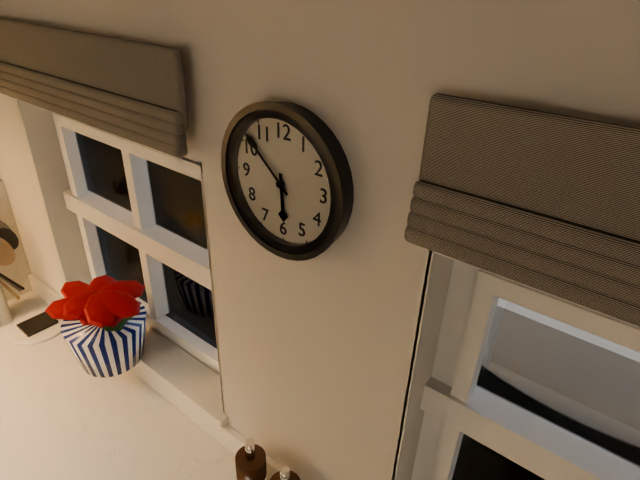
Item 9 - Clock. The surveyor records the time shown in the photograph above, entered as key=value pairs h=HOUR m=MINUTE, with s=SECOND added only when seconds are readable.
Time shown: h=5 m=52
